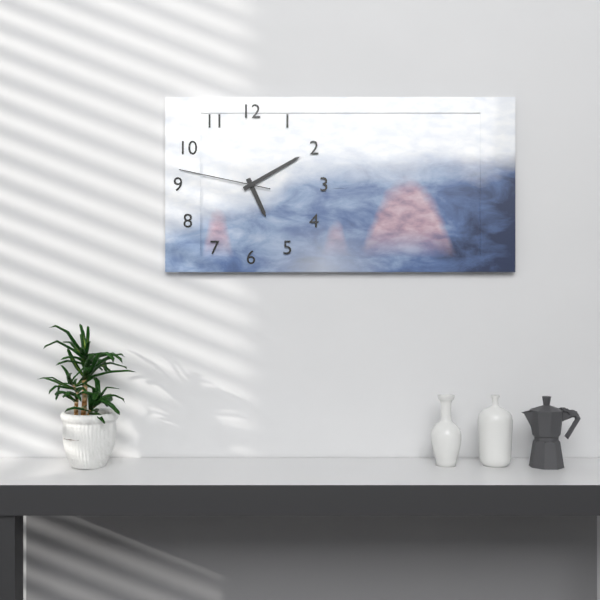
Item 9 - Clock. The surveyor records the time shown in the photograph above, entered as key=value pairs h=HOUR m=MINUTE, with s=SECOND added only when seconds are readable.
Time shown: h=5 m=10 s=47
